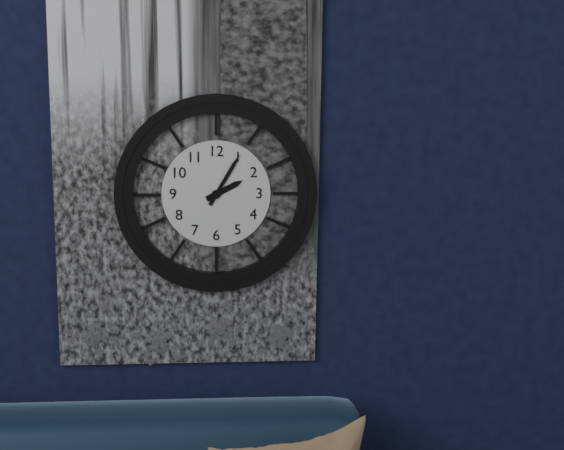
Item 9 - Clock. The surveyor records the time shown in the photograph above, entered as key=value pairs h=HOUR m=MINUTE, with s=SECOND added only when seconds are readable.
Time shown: h=2 m=5
